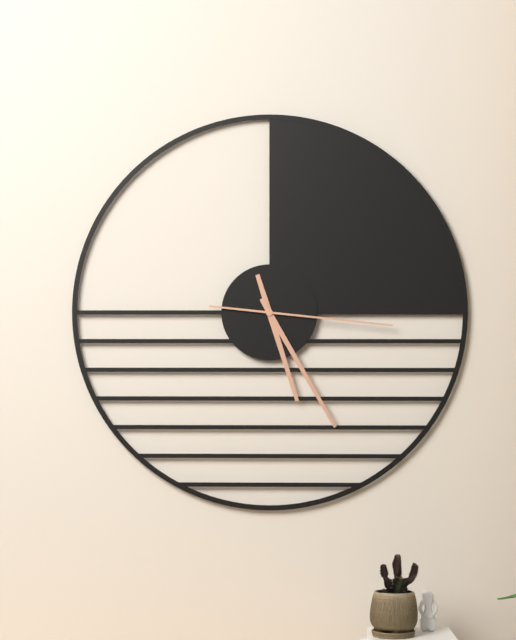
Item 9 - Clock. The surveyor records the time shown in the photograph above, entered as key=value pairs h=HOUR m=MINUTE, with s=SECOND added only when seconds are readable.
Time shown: h=5 m=25 s=16
